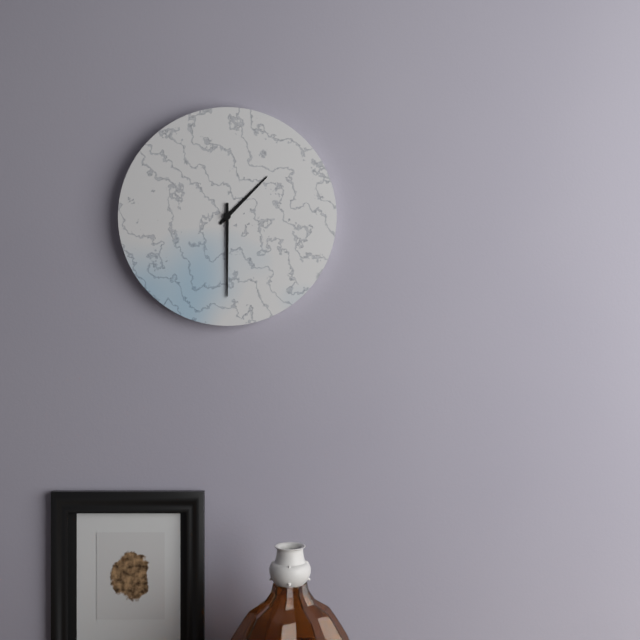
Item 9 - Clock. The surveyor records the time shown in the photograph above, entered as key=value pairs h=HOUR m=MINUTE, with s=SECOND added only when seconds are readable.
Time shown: h=1 m=30
